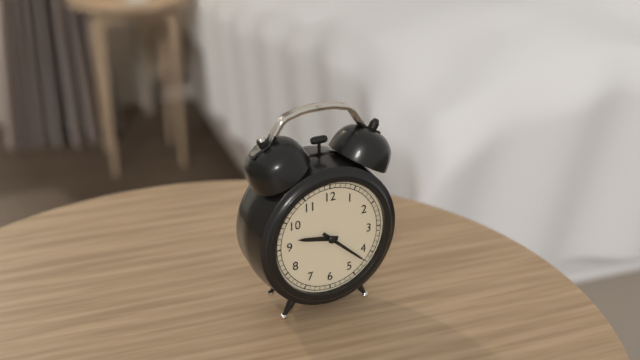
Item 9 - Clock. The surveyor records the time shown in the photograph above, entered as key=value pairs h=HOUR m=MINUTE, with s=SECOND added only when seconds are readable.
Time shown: h=9 m=22
